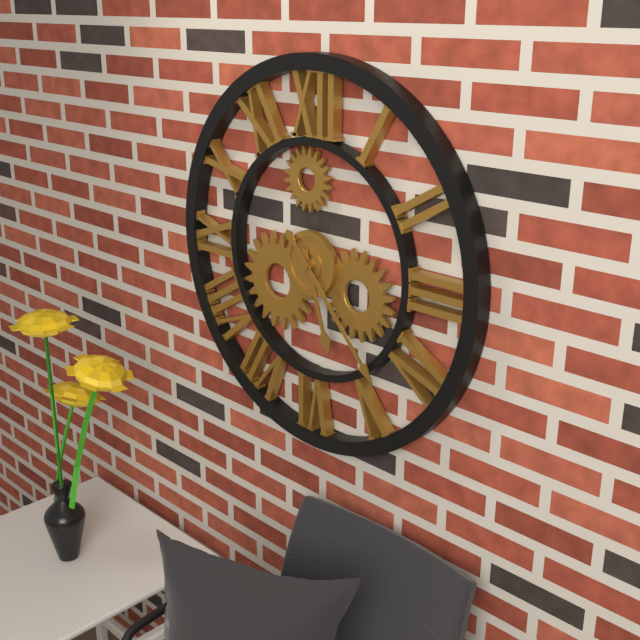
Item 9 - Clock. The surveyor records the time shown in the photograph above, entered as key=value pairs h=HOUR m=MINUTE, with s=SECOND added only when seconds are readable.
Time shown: h=5 m=23
